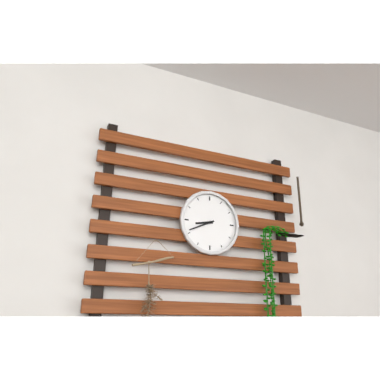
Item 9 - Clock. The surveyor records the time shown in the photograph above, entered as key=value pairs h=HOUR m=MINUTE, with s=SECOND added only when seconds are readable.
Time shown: h=8 m=41
